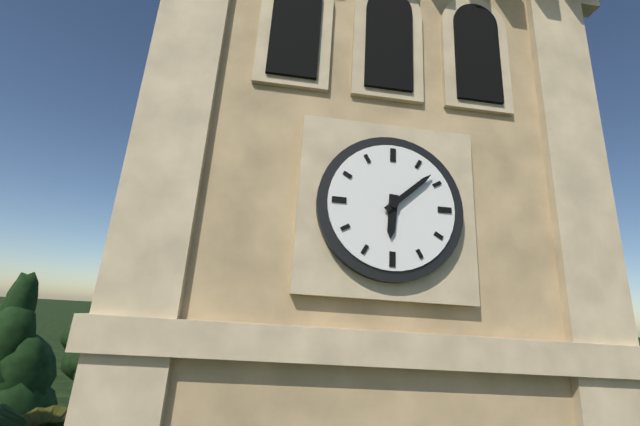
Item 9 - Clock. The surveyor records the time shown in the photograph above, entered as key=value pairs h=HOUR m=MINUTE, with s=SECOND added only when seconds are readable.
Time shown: h=6 m=8
